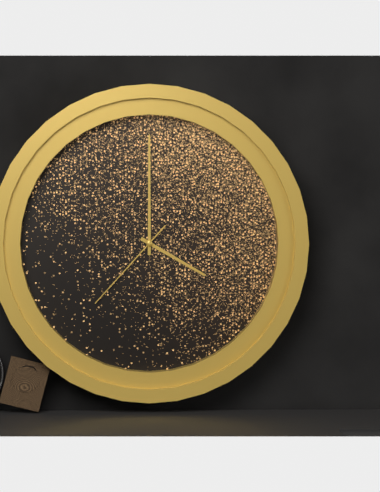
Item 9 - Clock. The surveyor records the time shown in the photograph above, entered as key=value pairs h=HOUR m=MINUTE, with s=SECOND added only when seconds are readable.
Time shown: h=4 m=0 s=37
